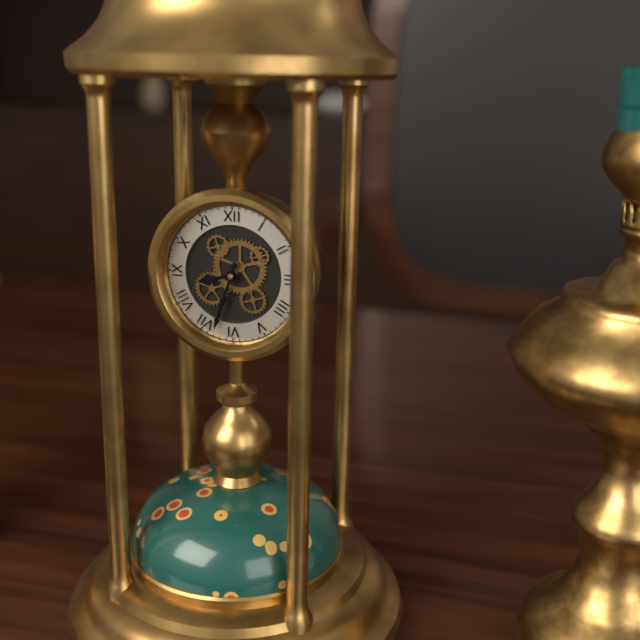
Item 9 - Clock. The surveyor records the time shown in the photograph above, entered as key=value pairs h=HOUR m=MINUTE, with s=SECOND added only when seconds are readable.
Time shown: h=8 m=33
